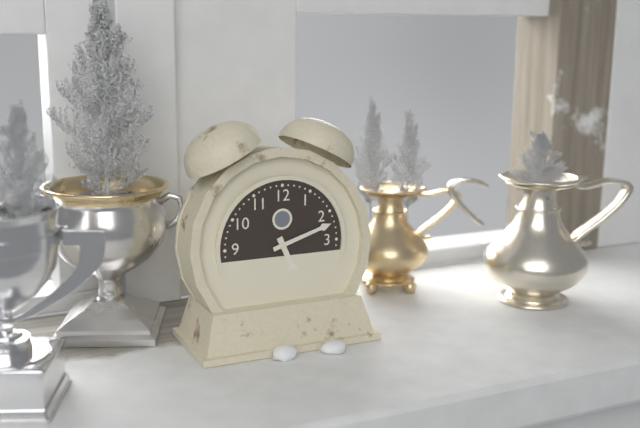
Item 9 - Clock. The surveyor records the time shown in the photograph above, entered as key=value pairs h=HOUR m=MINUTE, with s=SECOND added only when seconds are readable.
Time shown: h=5 m=12
